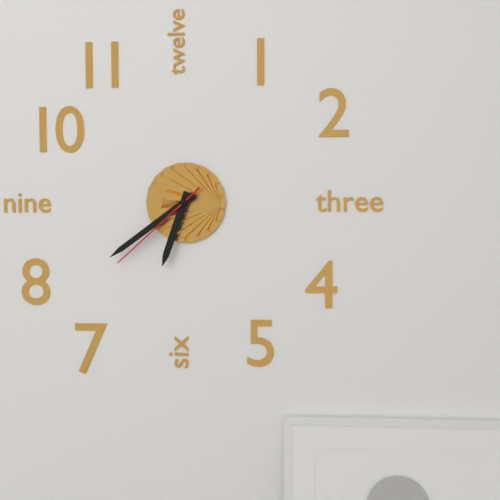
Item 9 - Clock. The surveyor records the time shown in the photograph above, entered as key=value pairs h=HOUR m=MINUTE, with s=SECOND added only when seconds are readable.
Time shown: h=6 m=39 s=38
